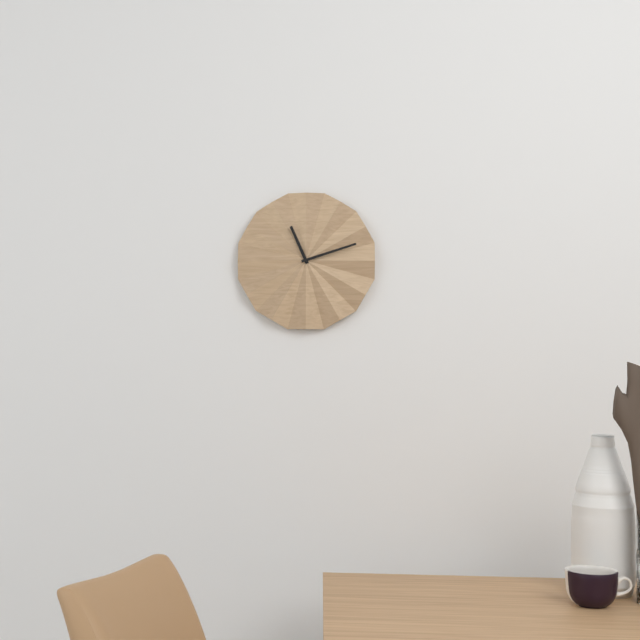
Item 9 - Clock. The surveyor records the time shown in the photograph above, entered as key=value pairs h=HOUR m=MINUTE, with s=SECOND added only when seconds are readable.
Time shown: h=11 m=12
